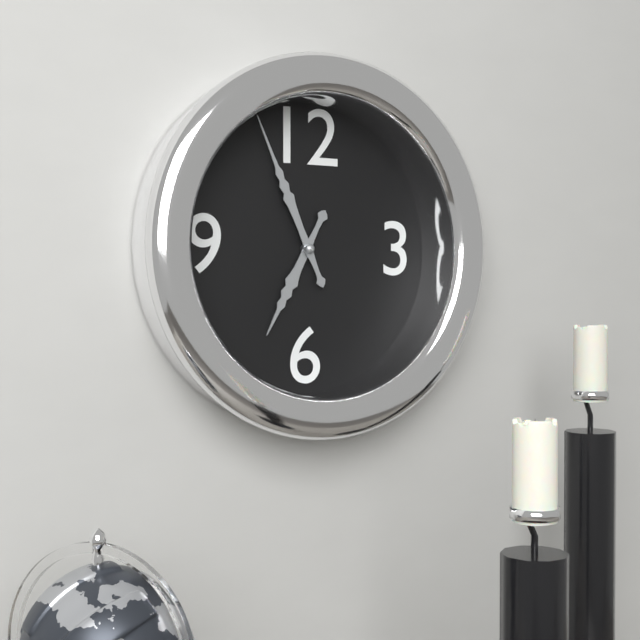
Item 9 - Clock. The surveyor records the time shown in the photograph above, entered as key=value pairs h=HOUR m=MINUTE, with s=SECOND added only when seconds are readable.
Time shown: h=6 m=56
